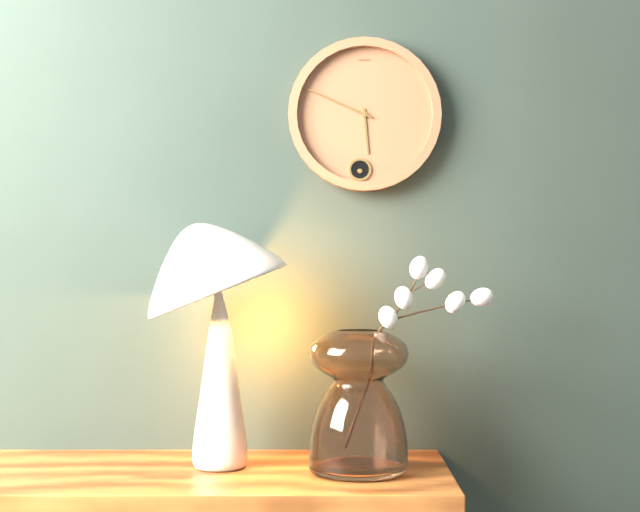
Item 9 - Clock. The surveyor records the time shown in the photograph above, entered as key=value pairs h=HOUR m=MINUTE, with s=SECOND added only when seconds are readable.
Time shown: h=5 m=49
